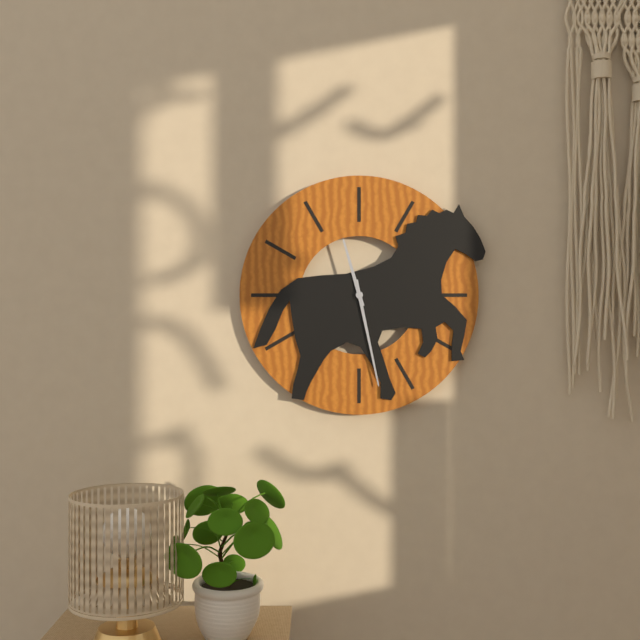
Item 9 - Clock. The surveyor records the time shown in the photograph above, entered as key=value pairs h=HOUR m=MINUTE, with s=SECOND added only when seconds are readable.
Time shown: h=11 m=28
